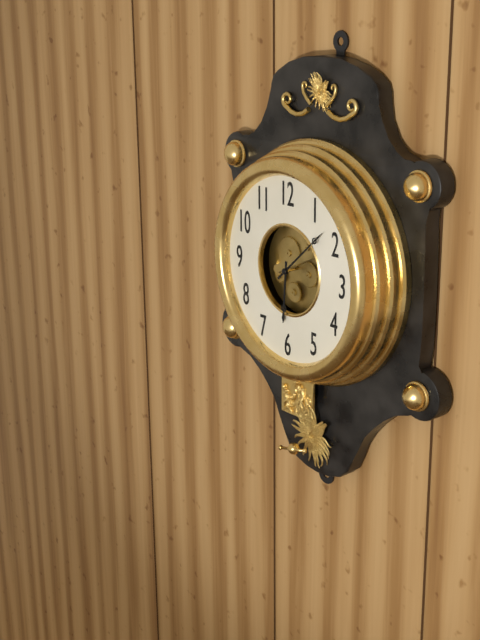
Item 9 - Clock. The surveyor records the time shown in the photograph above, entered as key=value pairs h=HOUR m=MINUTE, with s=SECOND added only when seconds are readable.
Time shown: h=6 m=8
